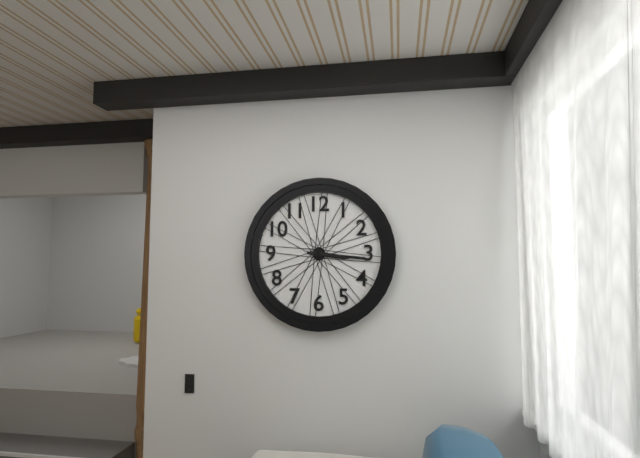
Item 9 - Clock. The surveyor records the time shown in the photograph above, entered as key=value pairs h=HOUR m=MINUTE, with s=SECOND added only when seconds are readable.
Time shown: h=3 m=16
